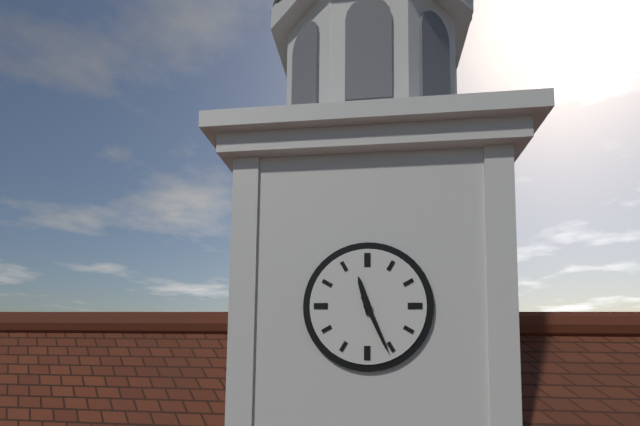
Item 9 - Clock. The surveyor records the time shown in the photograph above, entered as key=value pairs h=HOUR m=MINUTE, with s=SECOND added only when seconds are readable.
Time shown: h=11 m=26
